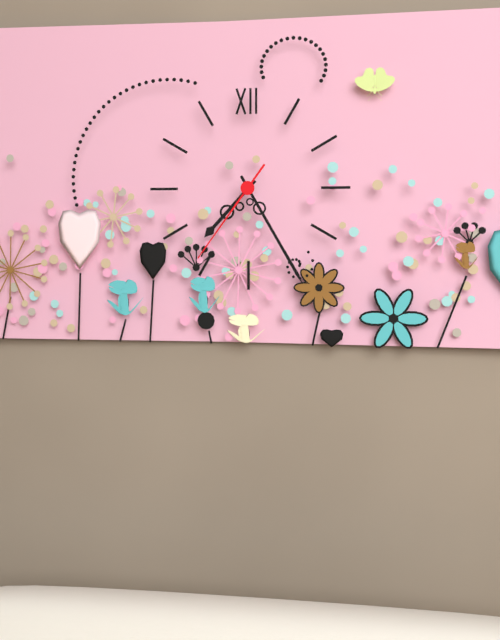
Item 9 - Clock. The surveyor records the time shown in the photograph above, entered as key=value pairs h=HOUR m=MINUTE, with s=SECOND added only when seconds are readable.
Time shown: h=7 m=25 s=36
